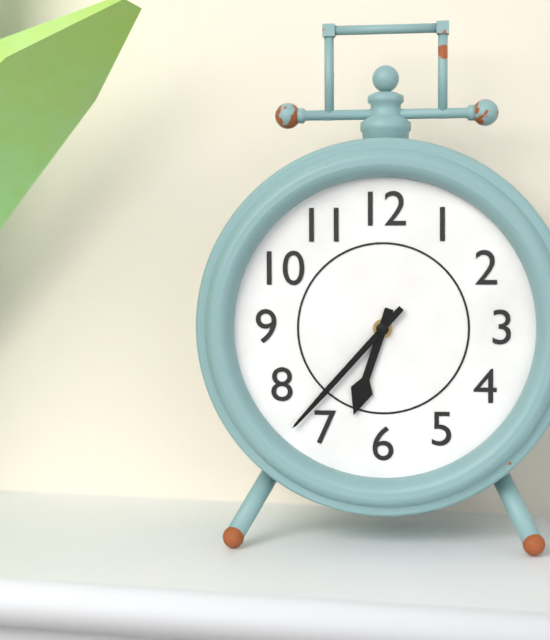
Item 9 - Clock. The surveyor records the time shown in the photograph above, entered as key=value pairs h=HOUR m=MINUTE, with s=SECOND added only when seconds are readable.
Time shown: h=6 m=37
